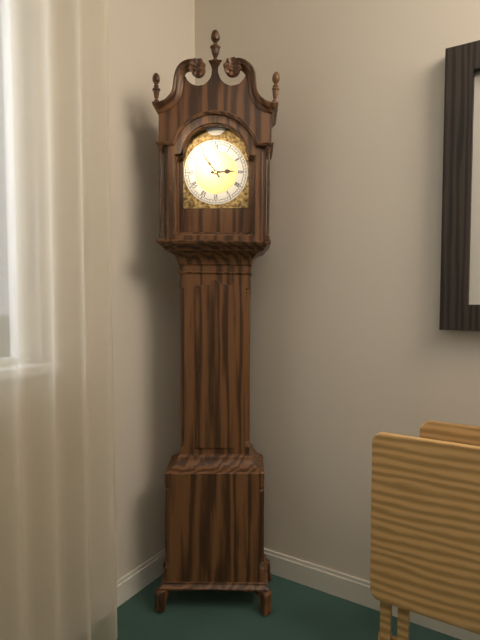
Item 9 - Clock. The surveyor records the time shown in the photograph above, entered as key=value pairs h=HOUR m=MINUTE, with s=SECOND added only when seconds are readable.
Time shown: h=2 m=54
